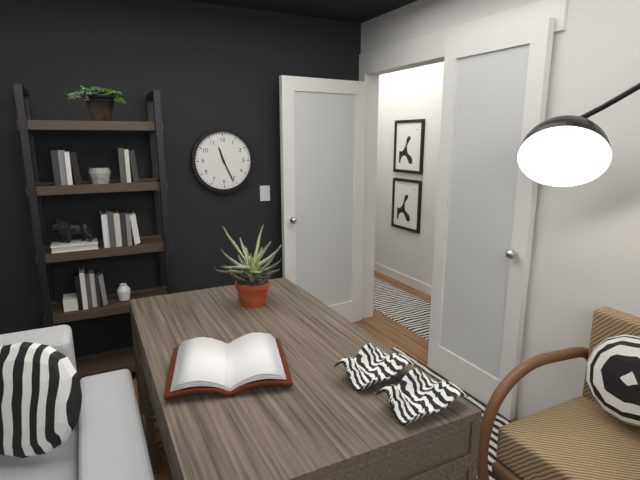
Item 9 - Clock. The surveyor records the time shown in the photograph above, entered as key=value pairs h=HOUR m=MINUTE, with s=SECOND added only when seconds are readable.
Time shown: h=11 m=26
